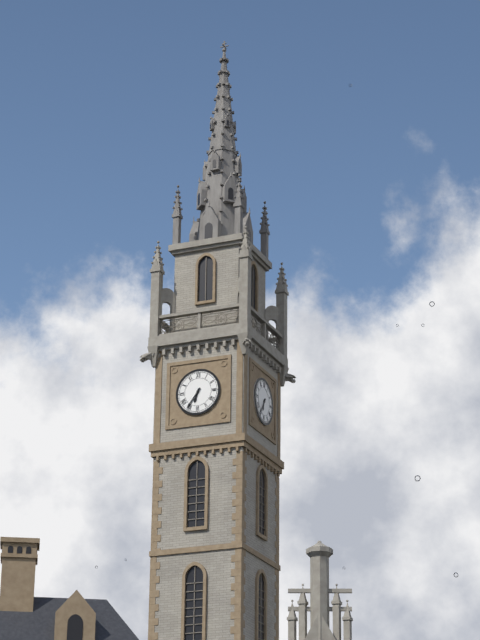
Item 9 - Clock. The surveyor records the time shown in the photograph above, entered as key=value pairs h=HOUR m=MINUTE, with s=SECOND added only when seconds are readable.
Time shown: h=6 m=36
